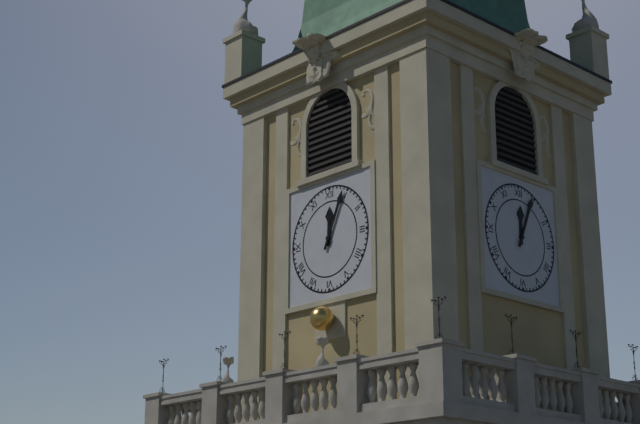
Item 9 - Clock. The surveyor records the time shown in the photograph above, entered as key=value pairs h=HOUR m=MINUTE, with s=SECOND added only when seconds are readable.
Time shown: h=12 m=4
